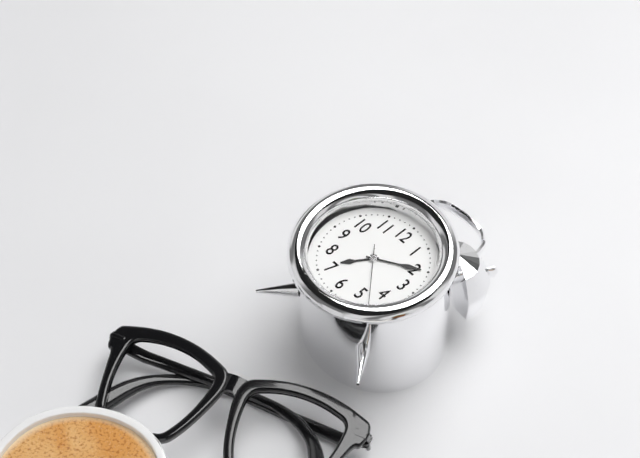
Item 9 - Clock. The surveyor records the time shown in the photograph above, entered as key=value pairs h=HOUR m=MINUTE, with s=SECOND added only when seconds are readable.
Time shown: h=7 m=10 s=23
